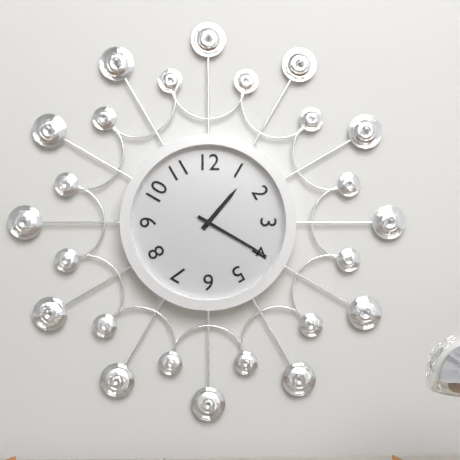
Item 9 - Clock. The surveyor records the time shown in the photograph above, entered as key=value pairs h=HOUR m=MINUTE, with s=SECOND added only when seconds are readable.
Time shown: h=1 m=20
